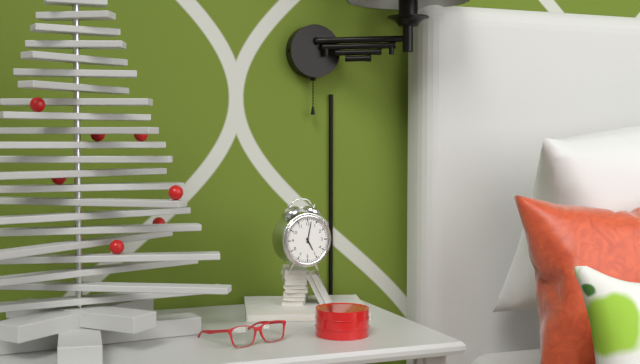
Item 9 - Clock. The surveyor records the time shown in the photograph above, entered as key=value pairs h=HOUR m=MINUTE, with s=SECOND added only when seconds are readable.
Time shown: h=5 m=2
